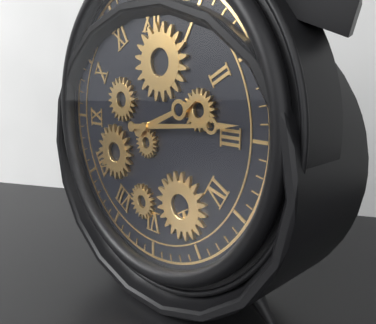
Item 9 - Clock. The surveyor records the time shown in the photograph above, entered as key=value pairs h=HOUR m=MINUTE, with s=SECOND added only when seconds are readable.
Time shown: h=2 m=14
